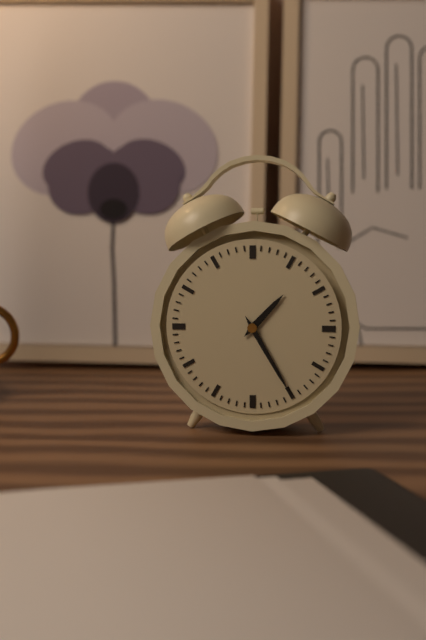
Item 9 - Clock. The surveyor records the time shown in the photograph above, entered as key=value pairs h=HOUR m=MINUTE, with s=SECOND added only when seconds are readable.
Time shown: h=1 m=25
